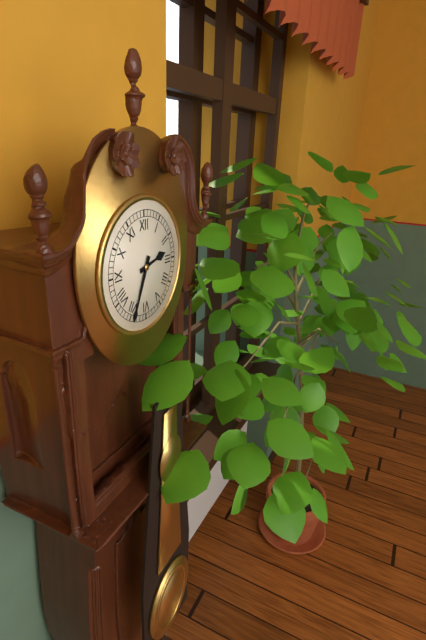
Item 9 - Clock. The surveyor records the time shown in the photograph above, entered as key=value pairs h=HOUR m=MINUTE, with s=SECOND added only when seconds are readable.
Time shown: h=2 m=34
